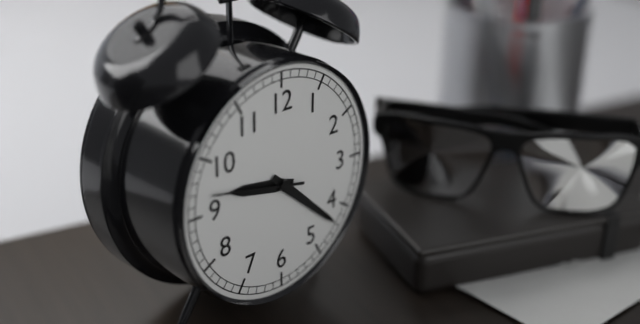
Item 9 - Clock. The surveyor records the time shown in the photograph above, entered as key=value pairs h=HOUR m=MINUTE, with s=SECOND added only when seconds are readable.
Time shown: h=9 m=22 s=47
